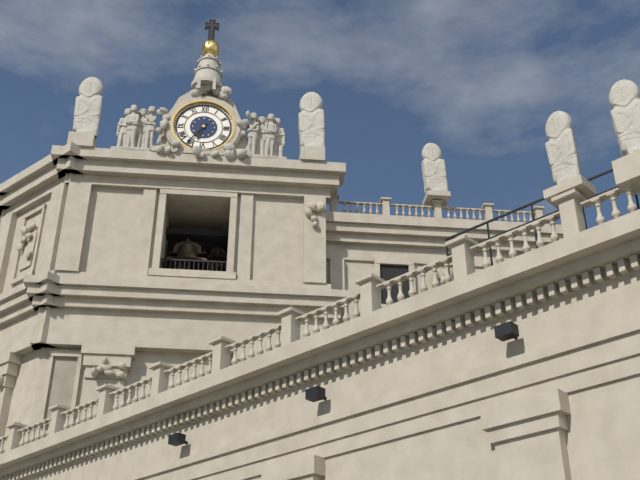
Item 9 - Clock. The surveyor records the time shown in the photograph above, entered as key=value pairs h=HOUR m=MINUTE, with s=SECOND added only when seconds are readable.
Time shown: h=6 m=36
